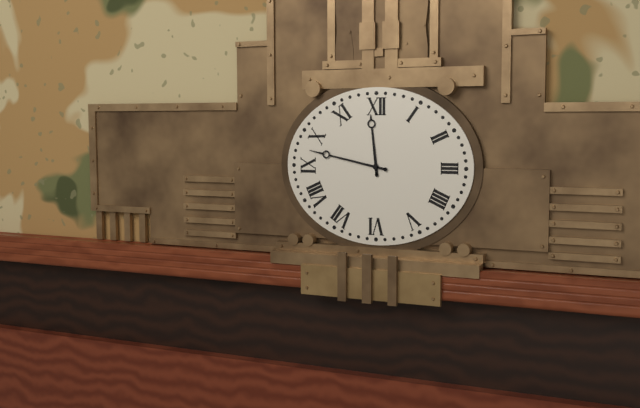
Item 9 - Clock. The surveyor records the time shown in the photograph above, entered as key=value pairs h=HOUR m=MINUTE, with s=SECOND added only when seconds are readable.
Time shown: h=11 m=47
